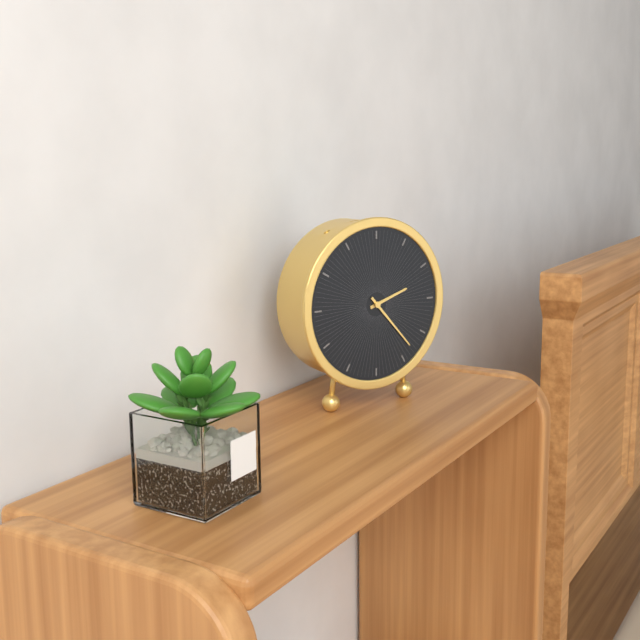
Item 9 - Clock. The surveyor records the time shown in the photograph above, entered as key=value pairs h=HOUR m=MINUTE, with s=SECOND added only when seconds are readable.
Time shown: h=2 m=23
